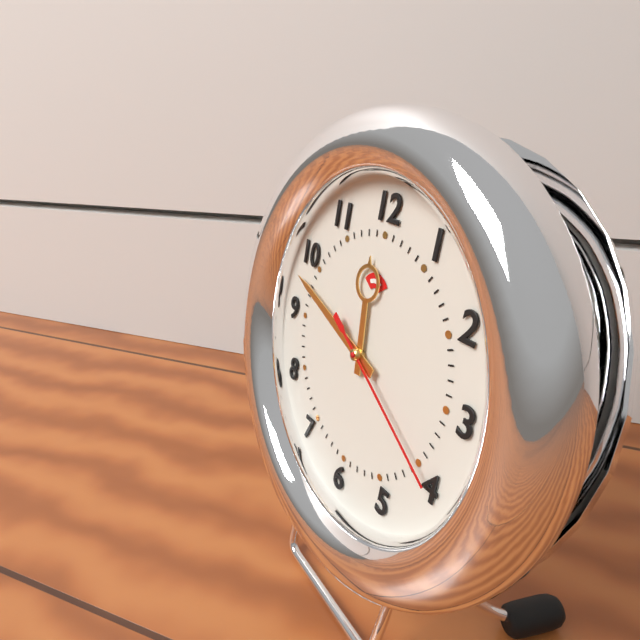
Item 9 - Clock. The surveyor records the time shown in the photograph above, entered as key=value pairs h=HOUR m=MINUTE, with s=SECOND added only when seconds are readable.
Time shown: h=11 m=48 s=20
